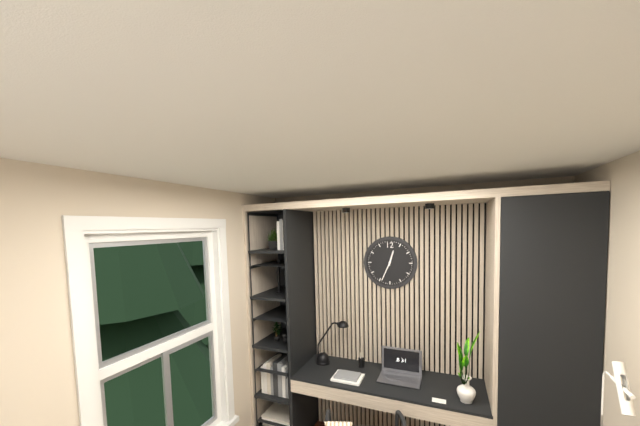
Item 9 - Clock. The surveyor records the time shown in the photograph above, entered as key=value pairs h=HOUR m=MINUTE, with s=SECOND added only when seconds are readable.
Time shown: h=12 m=34
